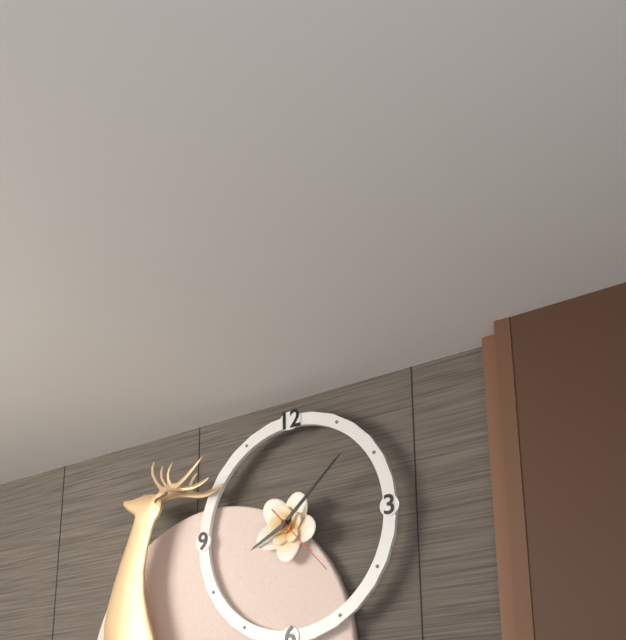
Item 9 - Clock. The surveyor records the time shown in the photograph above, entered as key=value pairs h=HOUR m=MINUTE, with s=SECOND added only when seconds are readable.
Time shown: h=8 m=8 s=23
